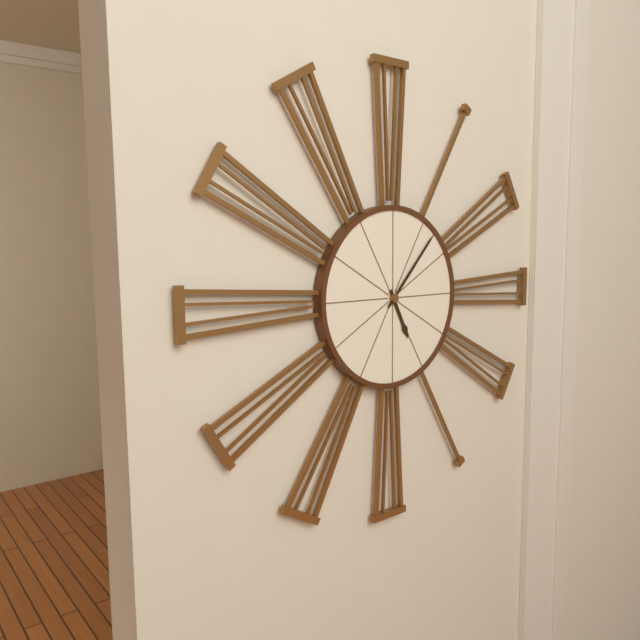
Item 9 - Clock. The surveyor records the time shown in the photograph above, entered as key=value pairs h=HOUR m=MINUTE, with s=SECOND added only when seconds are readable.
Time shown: h=5 m=7
